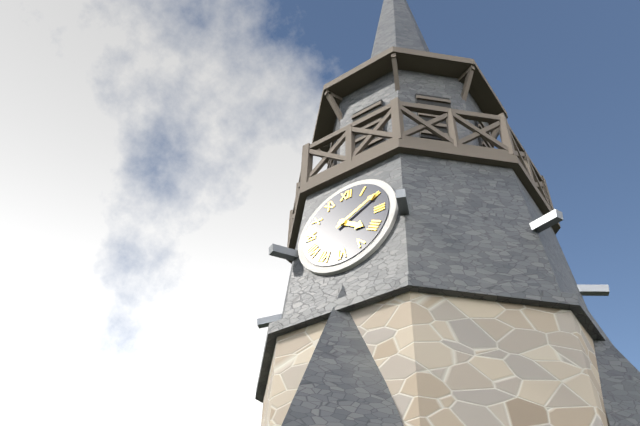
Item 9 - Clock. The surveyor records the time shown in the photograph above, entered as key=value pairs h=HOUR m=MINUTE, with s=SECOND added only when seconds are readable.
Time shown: h=4 m=10
